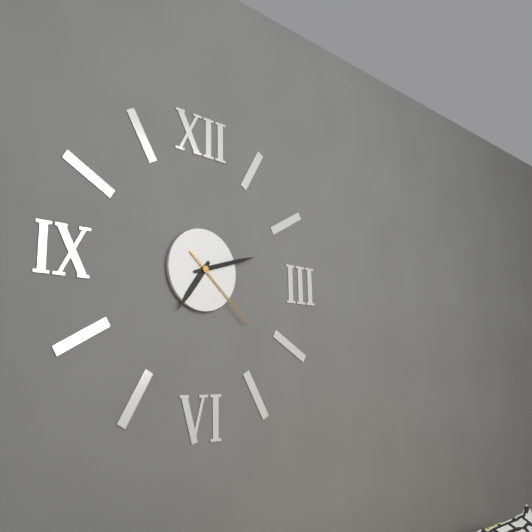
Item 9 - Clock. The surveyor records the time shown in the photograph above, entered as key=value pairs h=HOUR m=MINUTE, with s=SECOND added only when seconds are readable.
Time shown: h=7 m=12 s=22
